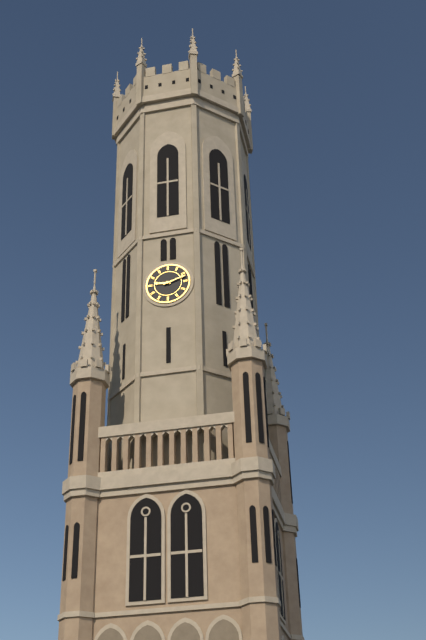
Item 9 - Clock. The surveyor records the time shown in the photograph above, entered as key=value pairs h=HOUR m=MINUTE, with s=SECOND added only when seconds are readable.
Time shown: h=9 m=12
